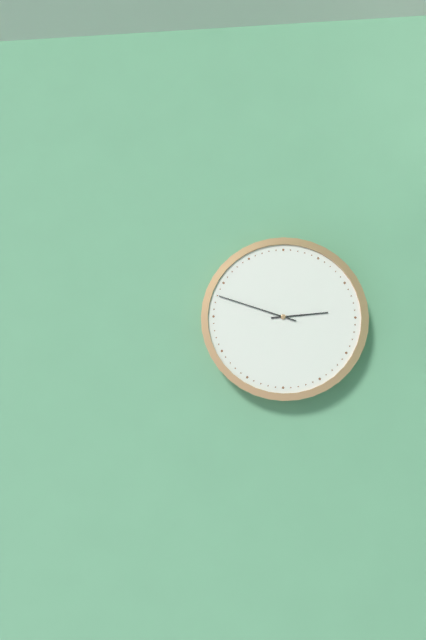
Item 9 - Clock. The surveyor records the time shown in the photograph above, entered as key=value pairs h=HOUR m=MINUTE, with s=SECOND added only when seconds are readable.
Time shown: h=2 m=48
